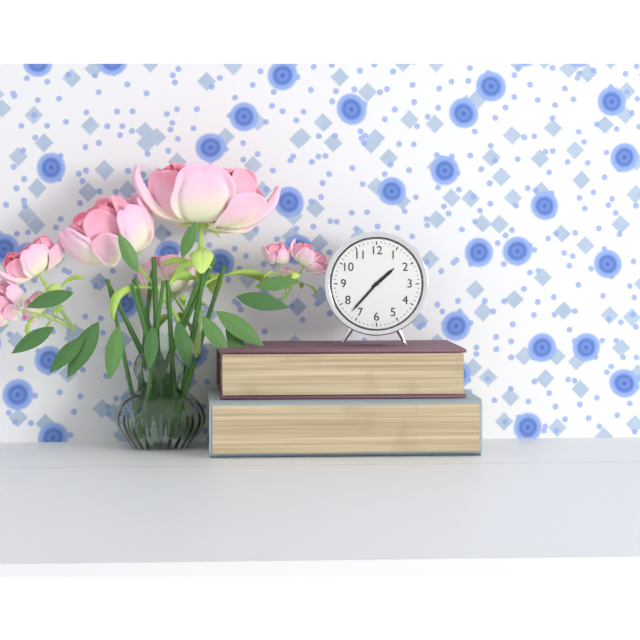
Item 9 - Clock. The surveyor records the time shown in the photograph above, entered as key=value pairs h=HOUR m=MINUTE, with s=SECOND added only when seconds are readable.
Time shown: h=1 m=37
